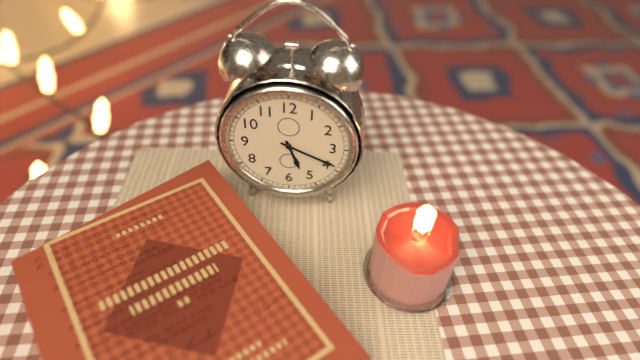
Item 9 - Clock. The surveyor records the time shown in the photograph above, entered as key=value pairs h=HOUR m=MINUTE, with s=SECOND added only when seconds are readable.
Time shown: h=5 m=19
